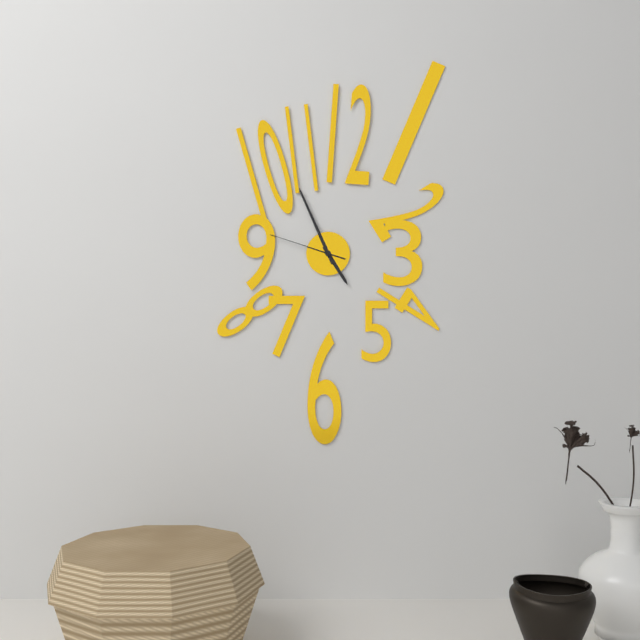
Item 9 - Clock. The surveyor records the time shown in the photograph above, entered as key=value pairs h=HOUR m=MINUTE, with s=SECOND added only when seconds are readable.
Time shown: h=4 m=56 s=48
